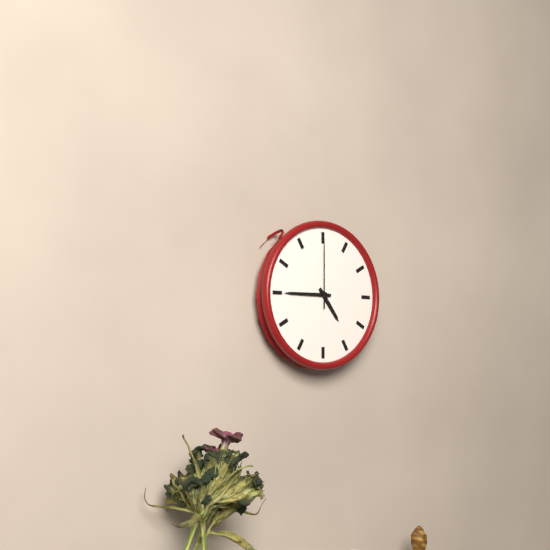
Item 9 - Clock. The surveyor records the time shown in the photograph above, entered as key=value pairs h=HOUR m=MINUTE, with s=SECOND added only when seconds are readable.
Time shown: h=4 m=45 s=0
